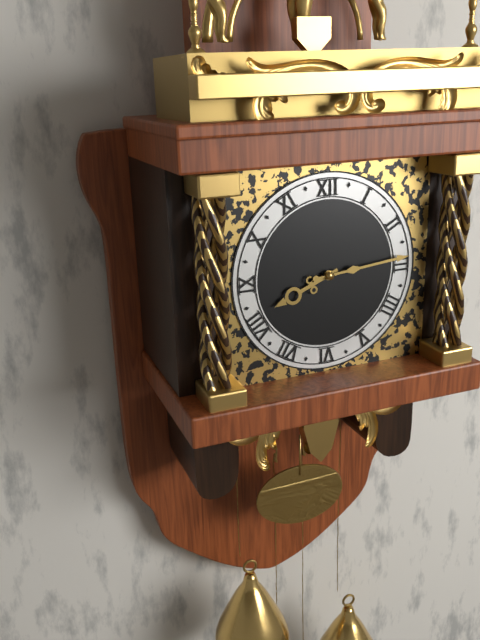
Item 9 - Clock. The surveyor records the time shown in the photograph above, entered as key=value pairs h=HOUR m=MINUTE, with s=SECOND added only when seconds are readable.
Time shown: h=8 m=14
